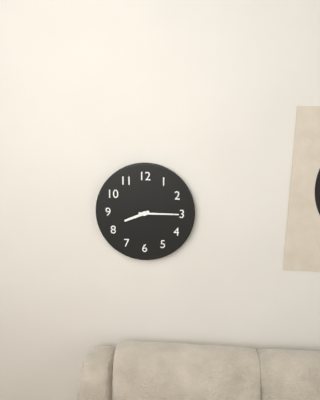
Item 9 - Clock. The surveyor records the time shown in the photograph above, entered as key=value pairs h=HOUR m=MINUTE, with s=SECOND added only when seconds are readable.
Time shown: h=8 m=15
